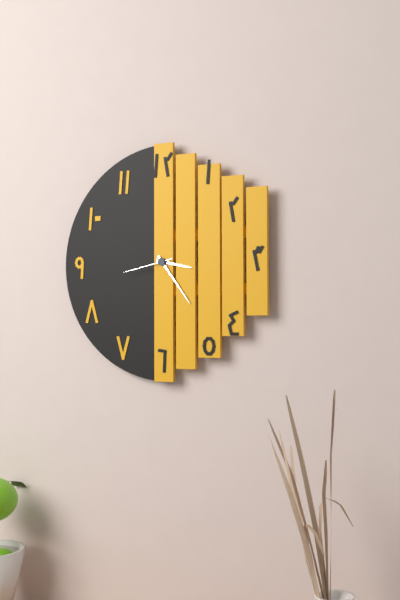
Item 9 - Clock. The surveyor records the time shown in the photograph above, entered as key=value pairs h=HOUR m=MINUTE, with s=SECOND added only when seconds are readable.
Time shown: h=3 m=24 s=43
